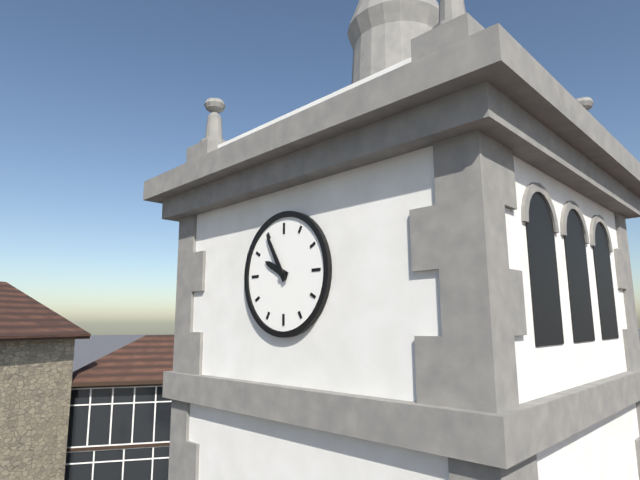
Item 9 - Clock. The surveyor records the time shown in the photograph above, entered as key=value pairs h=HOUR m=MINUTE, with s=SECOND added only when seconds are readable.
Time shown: h=9 m=55
